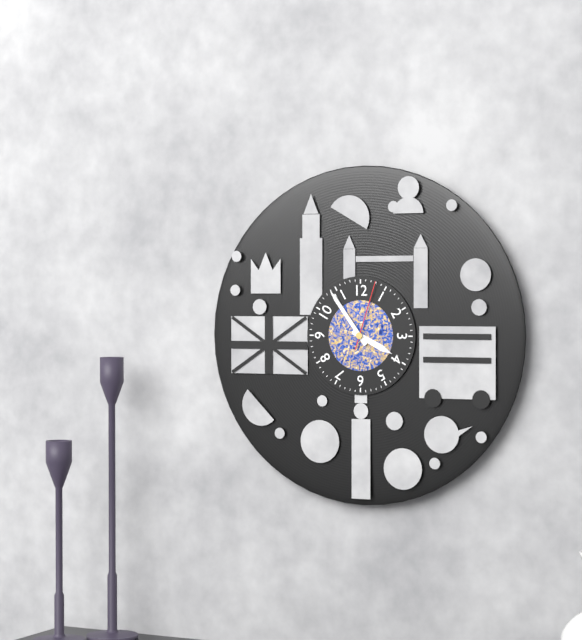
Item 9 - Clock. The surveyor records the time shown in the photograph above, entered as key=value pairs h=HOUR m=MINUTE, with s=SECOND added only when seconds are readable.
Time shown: h=3 m=54 s=3
